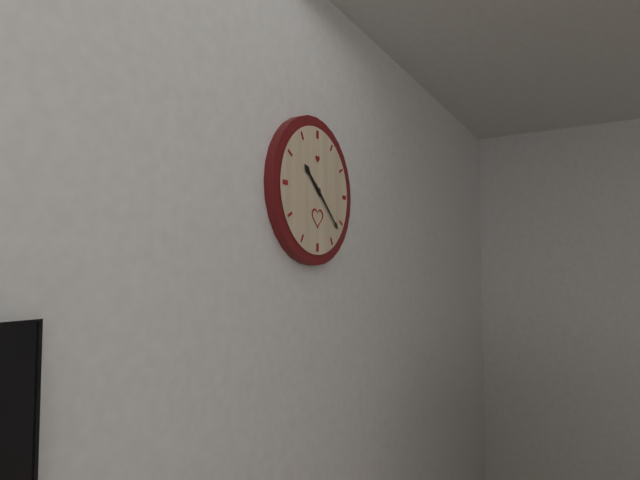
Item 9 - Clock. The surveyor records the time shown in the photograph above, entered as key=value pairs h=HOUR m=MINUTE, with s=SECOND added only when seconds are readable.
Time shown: h=10 m=22
